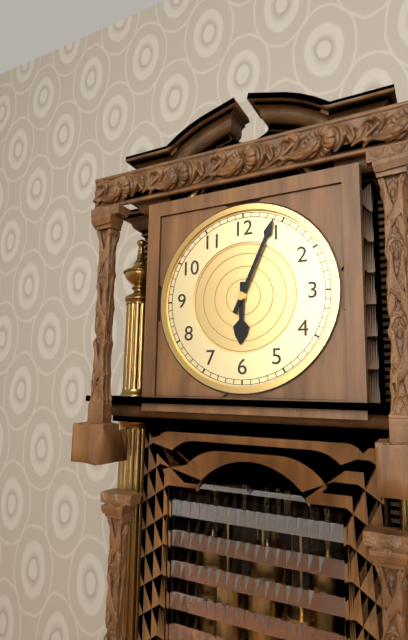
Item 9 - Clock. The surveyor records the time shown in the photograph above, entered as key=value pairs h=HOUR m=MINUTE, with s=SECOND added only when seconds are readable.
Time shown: h=6 m=4
